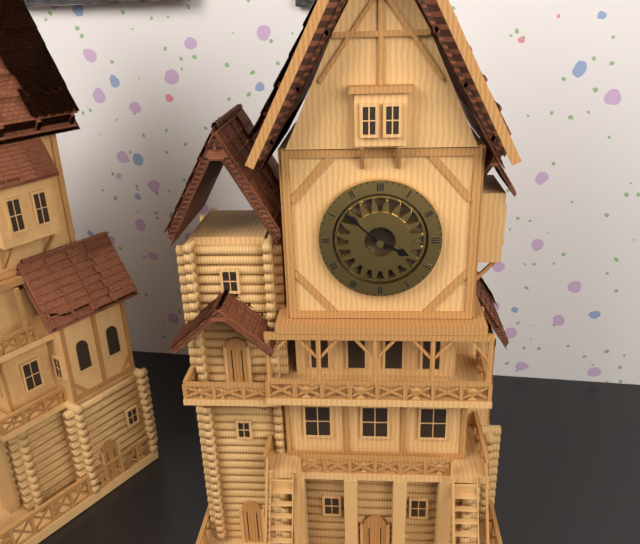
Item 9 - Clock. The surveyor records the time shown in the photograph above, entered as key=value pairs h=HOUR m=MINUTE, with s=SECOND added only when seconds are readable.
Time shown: h=3 m=52
